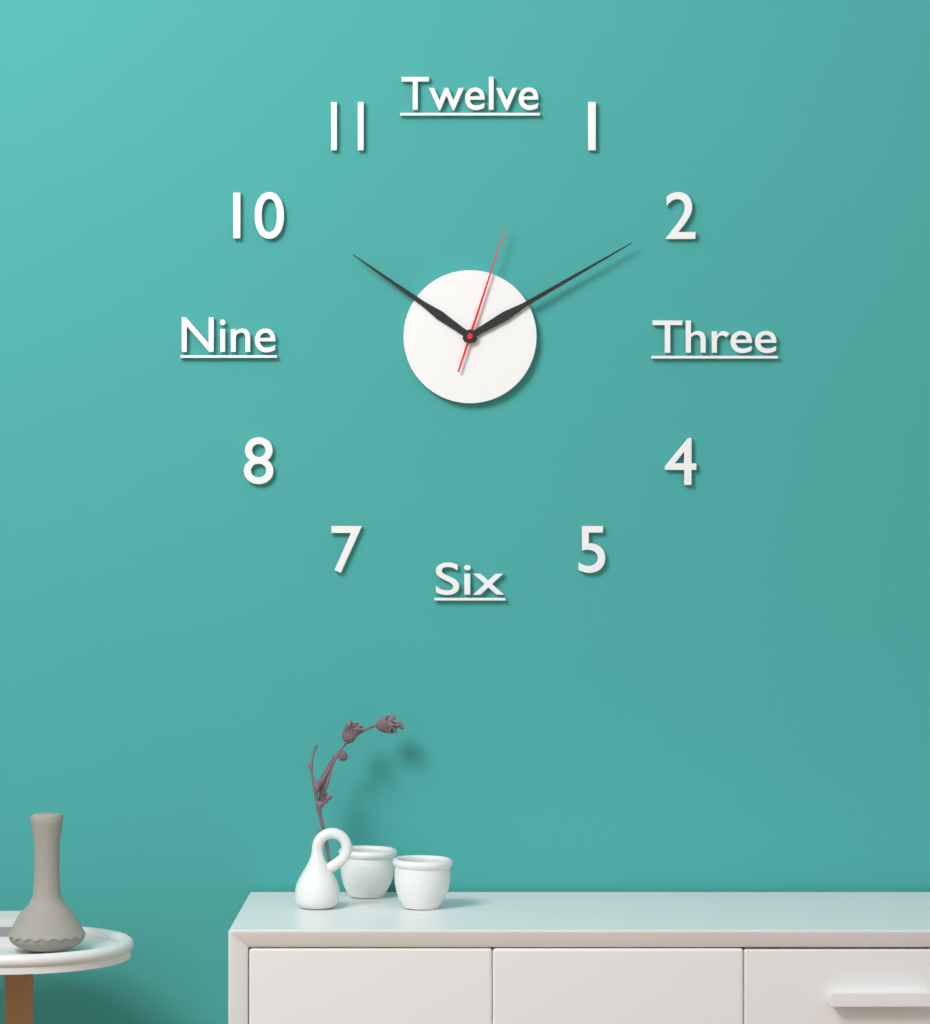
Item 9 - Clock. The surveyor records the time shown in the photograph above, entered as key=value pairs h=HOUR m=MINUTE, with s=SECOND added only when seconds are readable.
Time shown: h=10 m=10 s=3
